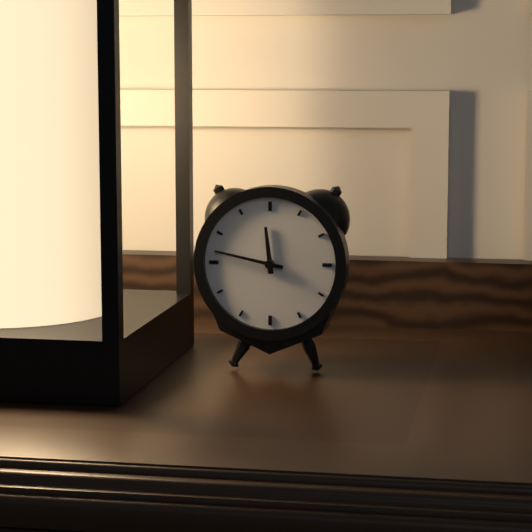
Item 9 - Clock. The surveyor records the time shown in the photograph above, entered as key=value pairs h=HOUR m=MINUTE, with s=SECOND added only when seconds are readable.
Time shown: h=11 m=47
